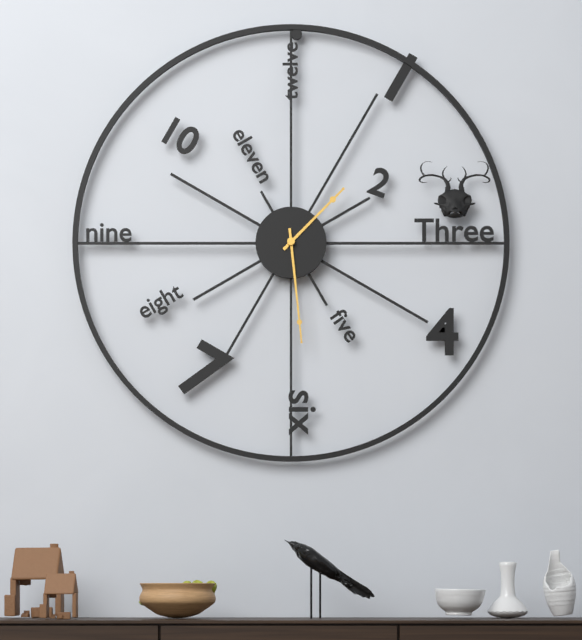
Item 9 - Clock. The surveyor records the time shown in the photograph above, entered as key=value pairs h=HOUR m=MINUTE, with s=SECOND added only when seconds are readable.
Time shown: h=1 m=29
